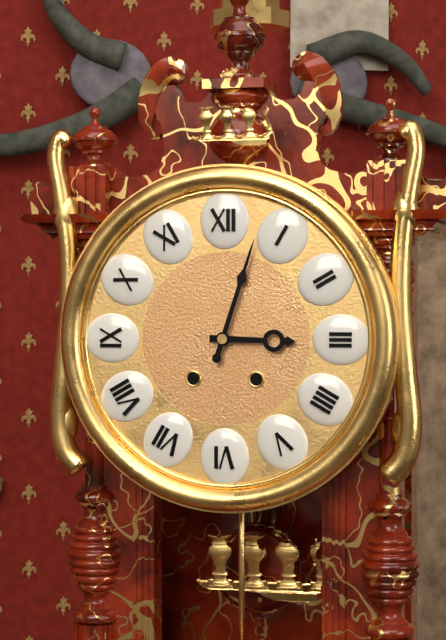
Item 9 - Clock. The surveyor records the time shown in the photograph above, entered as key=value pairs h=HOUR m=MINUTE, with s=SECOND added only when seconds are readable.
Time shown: h=3 m=3
